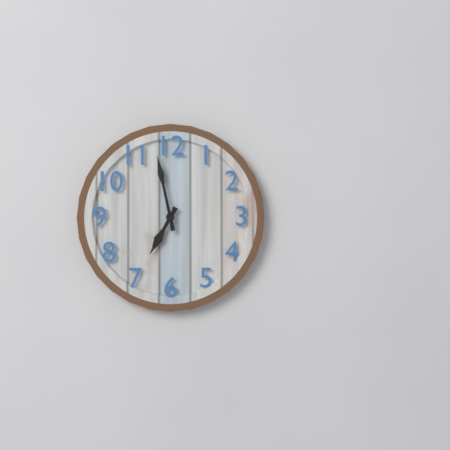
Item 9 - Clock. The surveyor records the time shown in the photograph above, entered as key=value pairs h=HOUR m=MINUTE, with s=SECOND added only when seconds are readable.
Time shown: h=6 m=58
